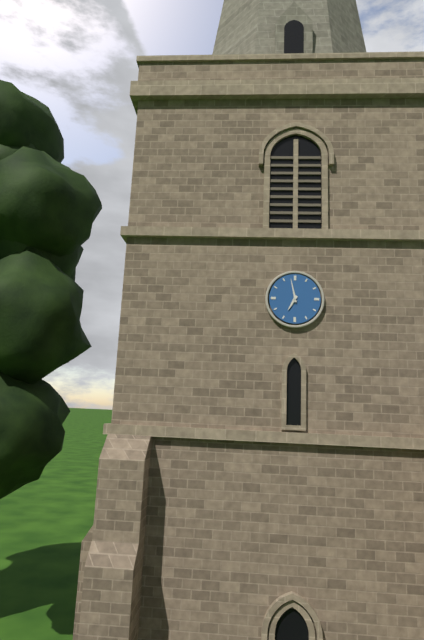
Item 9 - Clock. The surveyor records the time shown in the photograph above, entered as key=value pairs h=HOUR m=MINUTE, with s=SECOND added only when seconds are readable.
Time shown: h=6 m=58
